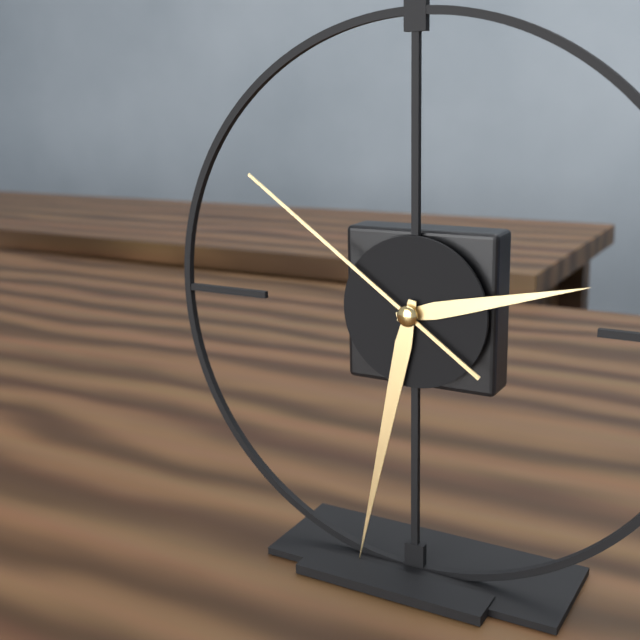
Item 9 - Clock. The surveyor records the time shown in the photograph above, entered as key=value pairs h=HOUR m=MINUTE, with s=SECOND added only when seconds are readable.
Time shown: h=2 m=32 s=51
